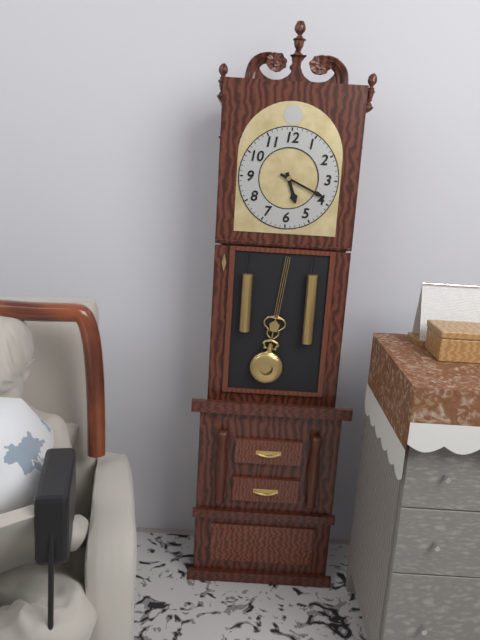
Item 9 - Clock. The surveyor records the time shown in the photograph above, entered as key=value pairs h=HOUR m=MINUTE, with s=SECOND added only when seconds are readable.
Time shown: h=5 m=19
